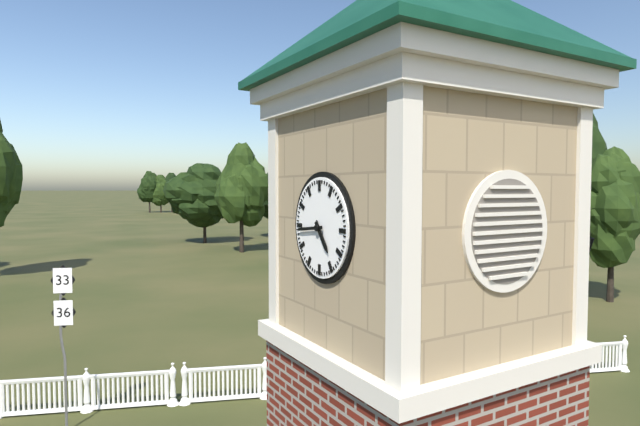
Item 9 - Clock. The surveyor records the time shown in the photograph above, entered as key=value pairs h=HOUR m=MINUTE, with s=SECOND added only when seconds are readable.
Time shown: h=4 m=44
